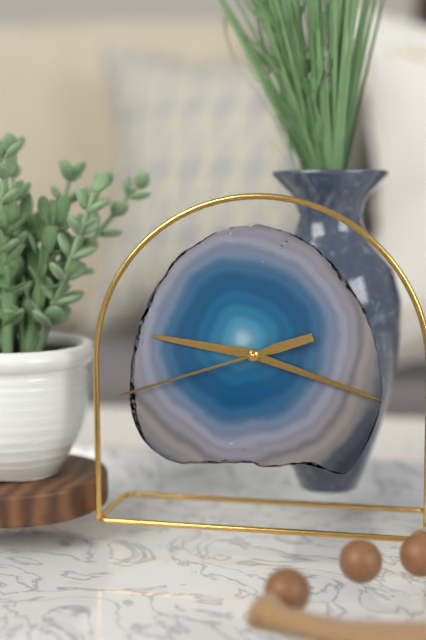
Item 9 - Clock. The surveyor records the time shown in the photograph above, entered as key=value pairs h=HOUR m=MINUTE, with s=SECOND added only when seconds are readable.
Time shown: h=9 m=18 s=42
